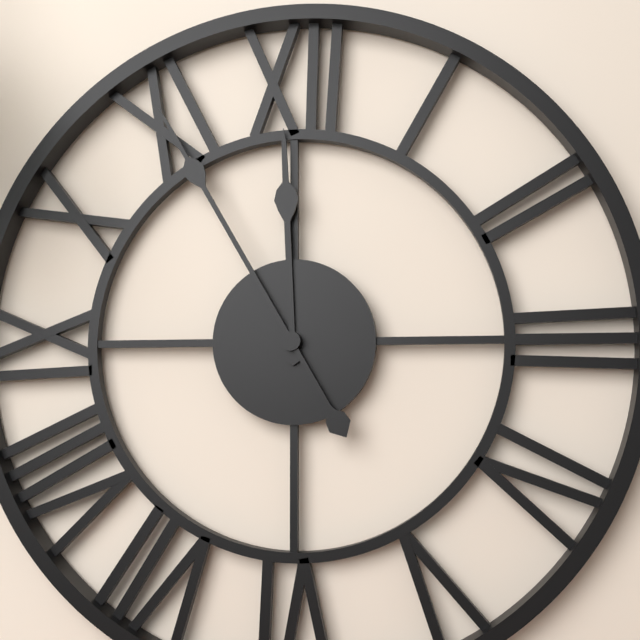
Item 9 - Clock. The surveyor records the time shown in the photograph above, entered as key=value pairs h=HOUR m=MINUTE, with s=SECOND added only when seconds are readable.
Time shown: h=11 m=55
